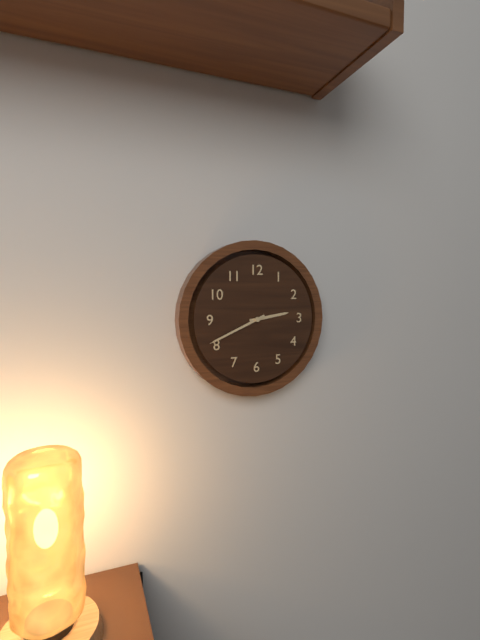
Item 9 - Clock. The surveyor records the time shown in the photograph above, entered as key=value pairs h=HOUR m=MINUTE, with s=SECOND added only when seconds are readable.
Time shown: h=2 m=41
